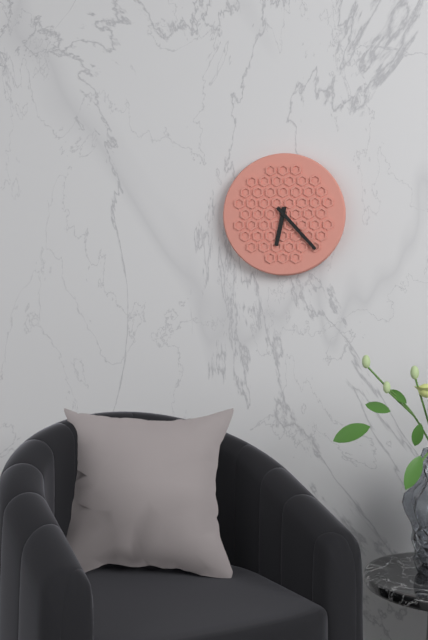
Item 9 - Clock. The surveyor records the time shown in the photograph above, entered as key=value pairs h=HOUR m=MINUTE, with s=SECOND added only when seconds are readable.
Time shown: h=6 m=23
